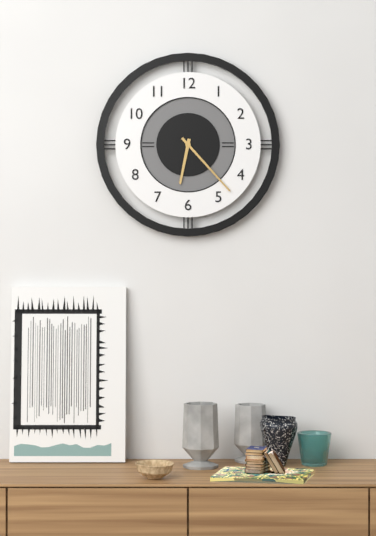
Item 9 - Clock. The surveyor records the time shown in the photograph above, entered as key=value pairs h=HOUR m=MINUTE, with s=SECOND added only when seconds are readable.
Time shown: h=6 m=23
